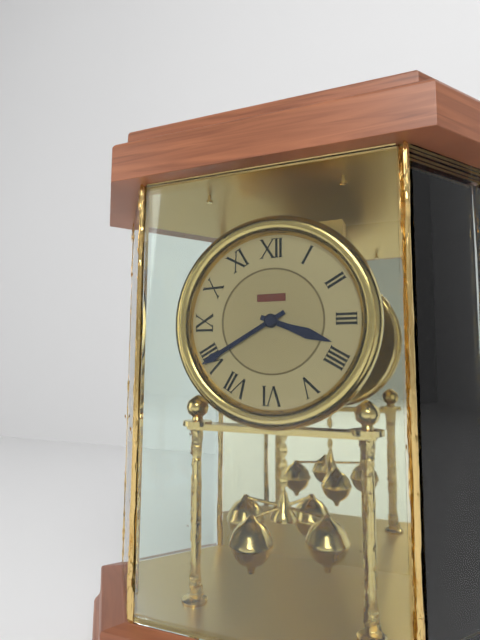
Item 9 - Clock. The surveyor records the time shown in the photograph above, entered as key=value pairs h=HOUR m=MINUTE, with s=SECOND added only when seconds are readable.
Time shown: h=3 m=40
